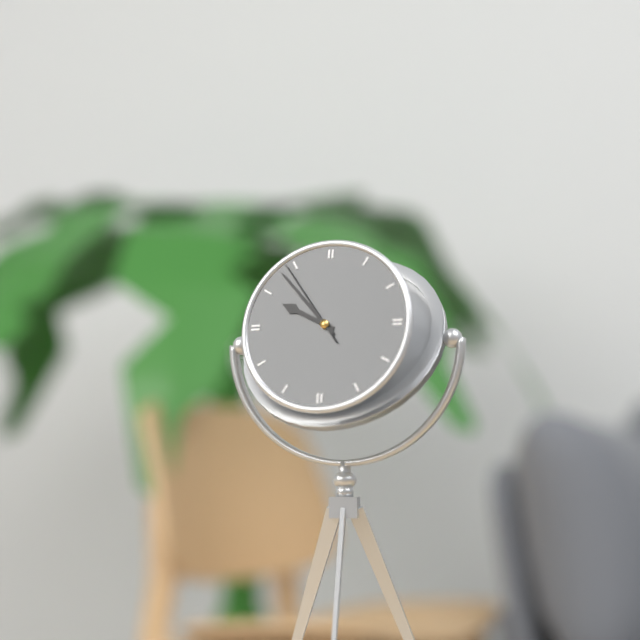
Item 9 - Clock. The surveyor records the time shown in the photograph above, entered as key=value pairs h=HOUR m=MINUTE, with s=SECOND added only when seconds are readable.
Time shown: h=9 m=53 s=54
